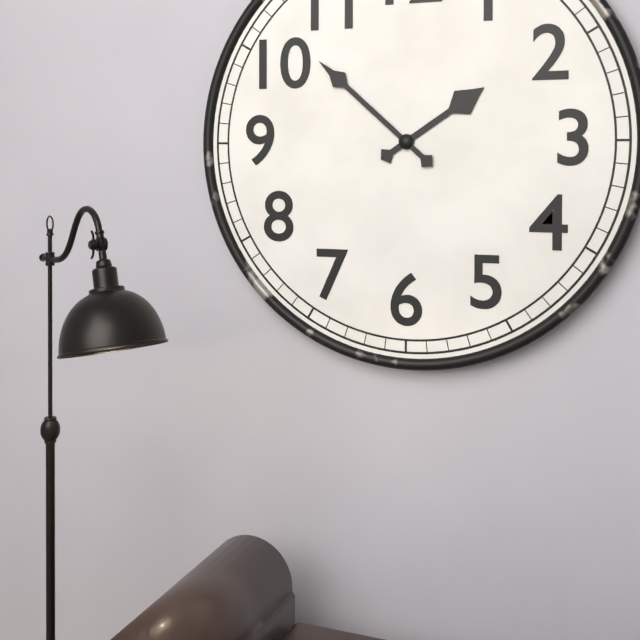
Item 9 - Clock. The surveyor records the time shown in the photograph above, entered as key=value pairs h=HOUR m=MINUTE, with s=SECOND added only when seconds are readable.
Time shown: h=1 m=52
